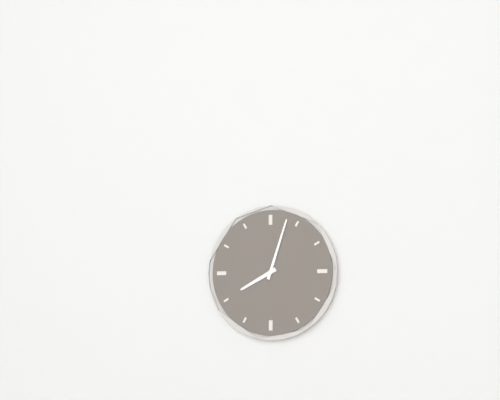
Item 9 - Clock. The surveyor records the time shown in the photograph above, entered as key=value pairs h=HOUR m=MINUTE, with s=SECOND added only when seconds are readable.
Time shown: h=8 m=3
